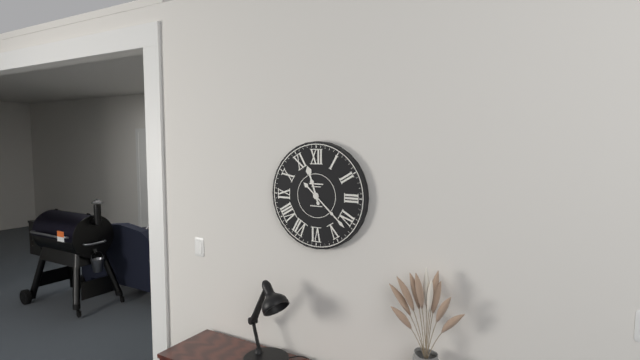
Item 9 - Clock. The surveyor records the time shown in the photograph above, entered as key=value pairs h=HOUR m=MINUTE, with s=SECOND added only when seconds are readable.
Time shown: h=11 m=22
